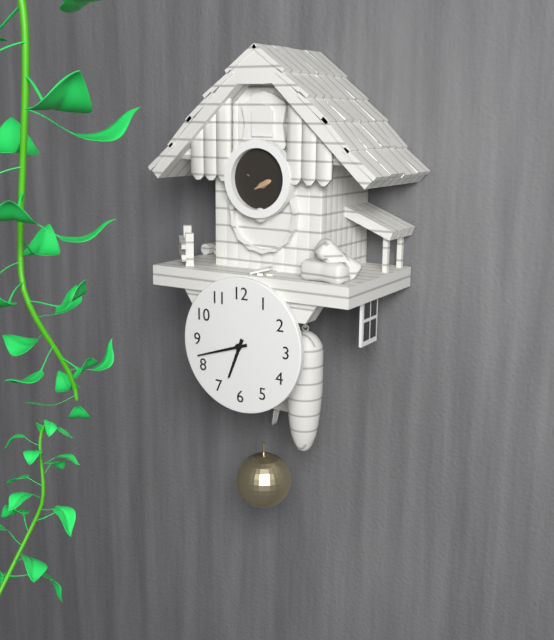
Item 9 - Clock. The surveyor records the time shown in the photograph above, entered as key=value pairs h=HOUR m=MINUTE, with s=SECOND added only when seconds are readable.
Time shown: h=6 m=42
